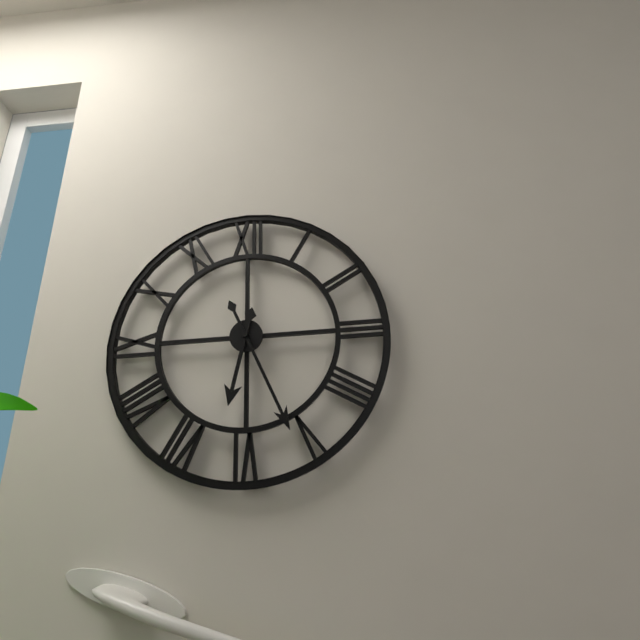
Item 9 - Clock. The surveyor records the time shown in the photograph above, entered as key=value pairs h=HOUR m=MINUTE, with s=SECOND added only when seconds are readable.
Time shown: h=6 m=26
